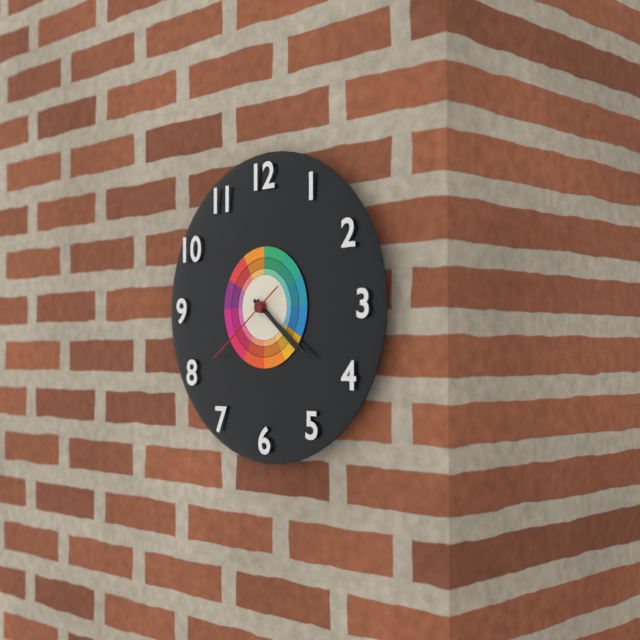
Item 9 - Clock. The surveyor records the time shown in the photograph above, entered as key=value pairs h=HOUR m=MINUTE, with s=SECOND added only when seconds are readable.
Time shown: h=4 m=21 s=39
